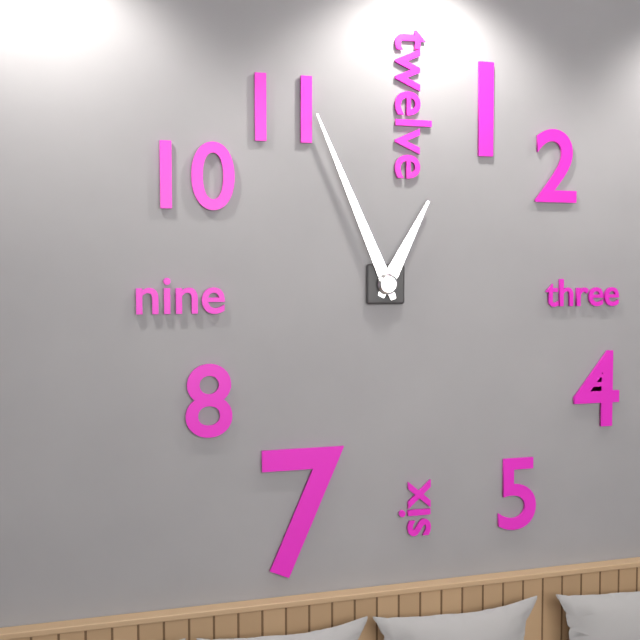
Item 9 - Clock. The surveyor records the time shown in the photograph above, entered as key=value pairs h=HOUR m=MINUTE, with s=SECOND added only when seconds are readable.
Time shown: h=12 m=56
